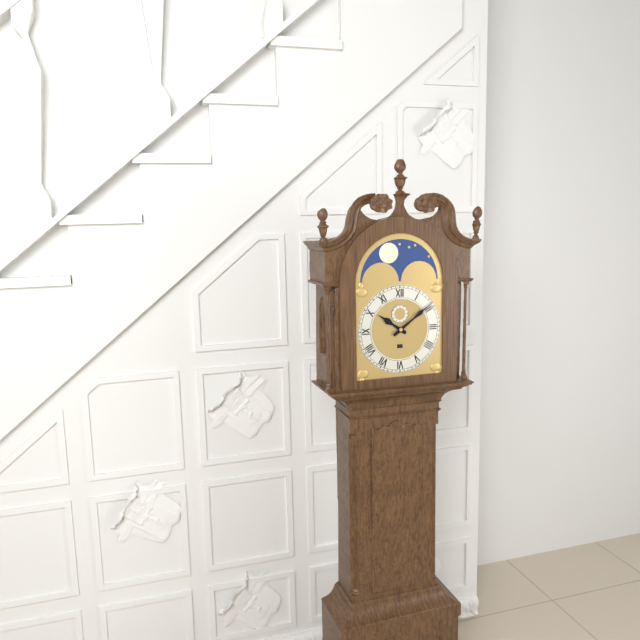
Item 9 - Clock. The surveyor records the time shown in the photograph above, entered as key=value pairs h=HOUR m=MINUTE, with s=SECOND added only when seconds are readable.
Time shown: h=10 m=9
